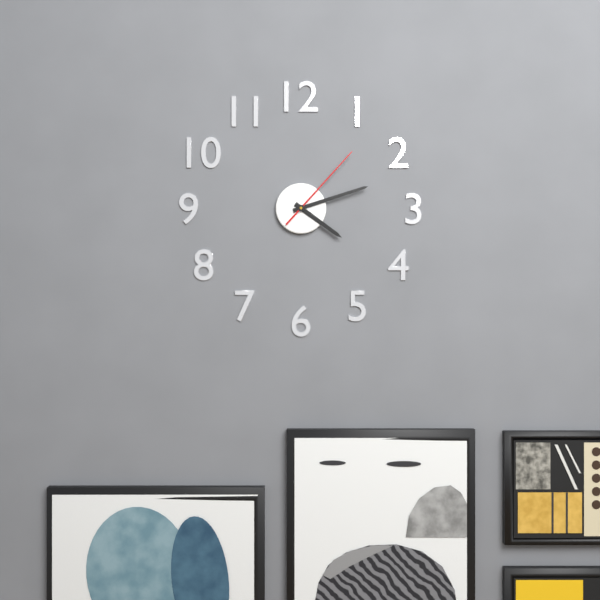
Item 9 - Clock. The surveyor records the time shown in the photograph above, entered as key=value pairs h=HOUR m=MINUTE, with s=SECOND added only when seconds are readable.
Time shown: h=4 m=12 s=7
